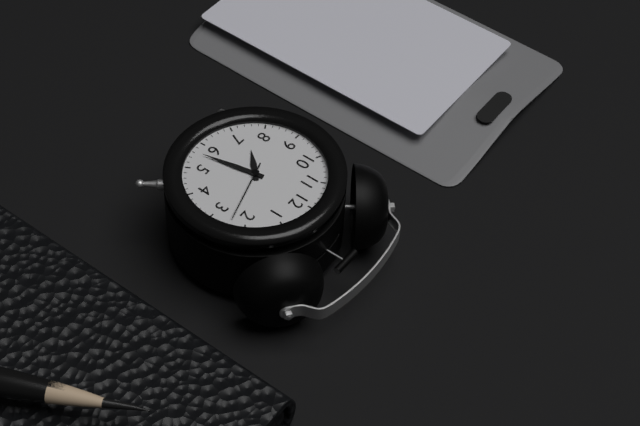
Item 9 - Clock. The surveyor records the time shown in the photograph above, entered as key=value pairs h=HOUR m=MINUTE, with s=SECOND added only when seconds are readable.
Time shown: h=7 m=28 s=12
